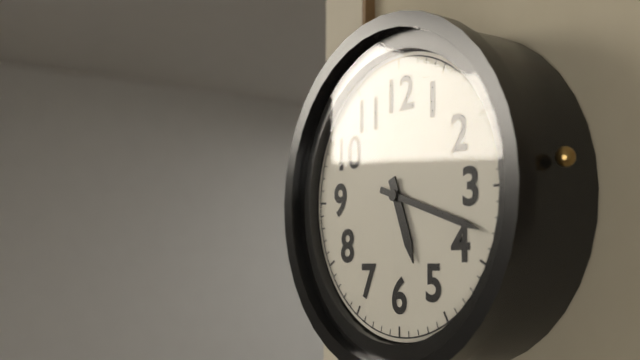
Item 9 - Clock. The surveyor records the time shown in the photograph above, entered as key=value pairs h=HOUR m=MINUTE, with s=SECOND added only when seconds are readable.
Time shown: h=5 m=18
